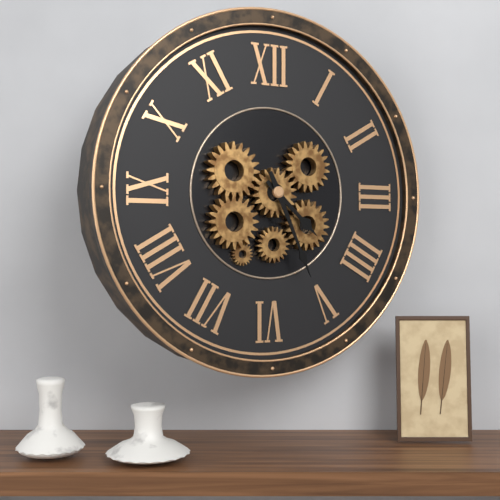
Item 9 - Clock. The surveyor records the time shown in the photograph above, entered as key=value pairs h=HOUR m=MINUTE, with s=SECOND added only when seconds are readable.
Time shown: h=4 m=26
